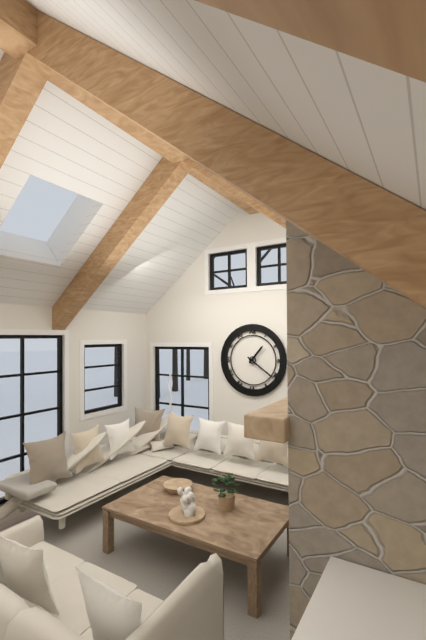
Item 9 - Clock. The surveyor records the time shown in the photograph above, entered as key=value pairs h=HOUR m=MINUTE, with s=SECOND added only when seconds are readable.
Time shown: h=1 m=21
